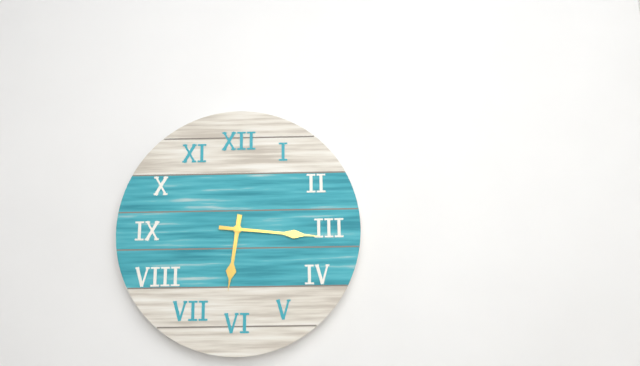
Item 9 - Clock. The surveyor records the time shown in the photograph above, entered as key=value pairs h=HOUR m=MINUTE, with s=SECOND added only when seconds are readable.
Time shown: h=6 m=16
